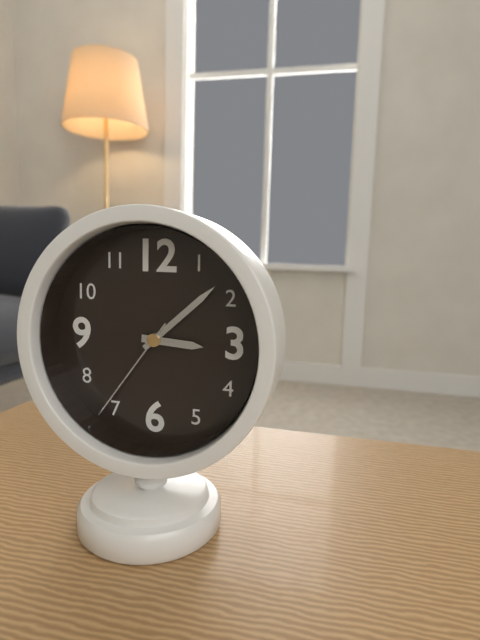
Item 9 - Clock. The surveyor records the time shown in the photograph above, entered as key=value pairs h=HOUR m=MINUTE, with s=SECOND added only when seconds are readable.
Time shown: h=3 m=8 s=36
